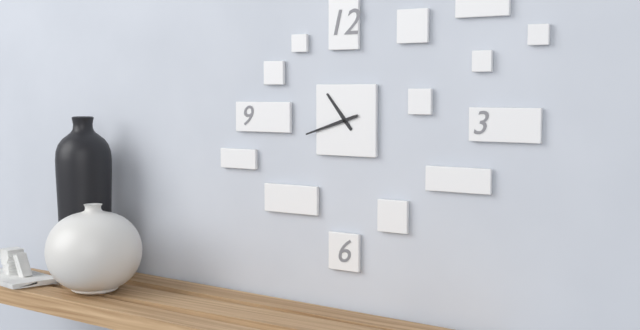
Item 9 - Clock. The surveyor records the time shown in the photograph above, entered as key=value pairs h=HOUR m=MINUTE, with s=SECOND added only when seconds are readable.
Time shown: h=10 m=42
